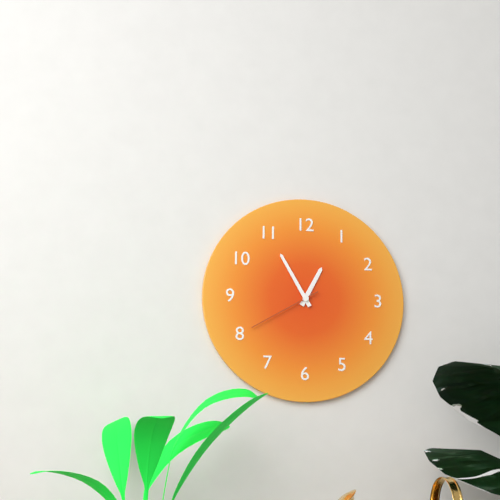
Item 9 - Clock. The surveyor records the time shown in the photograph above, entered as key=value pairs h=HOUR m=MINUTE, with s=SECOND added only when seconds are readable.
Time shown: h=12 m=55 s=40
